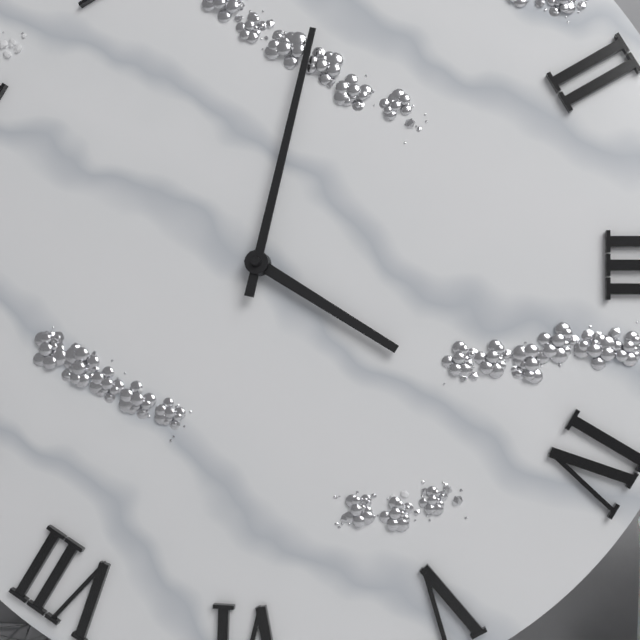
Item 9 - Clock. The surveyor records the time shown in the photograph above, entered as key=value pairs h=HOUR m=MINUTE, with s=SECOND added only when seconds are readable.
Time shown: h=4 m=2
